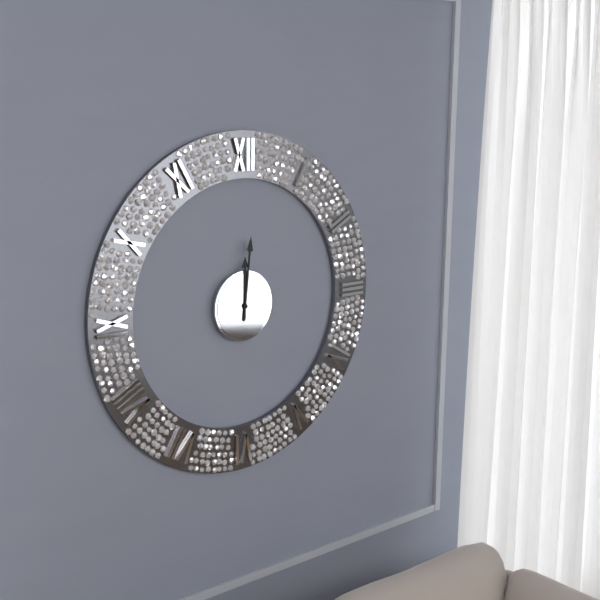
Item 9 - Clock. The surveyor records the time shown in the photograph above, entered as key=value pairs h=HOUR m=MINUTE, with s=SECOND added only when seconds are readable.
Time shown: h=12 m=1
